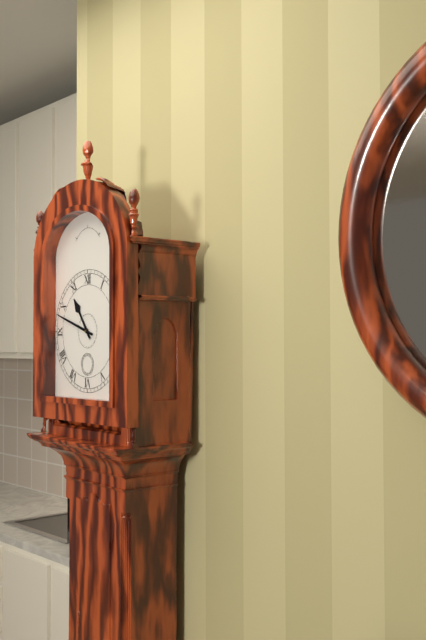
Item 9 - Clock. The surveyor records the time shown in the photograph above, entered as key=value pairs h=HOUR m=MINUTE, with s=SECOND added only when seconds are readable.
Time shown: h=10 m=48
